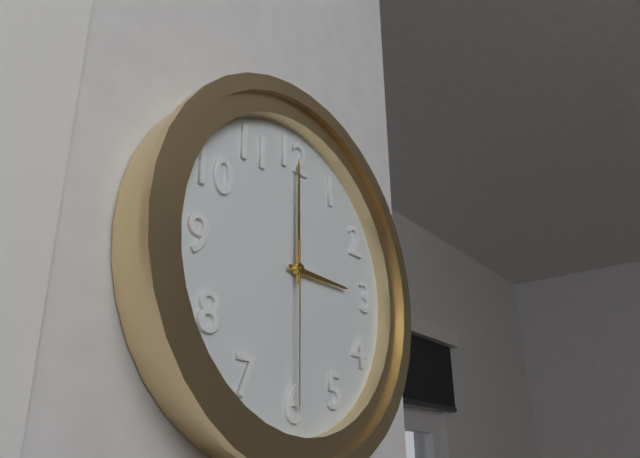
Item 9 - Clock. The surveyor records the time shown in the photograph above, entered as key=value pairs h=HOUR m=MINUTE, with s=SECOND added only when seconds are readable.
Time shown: h=3 m=0 s=30
